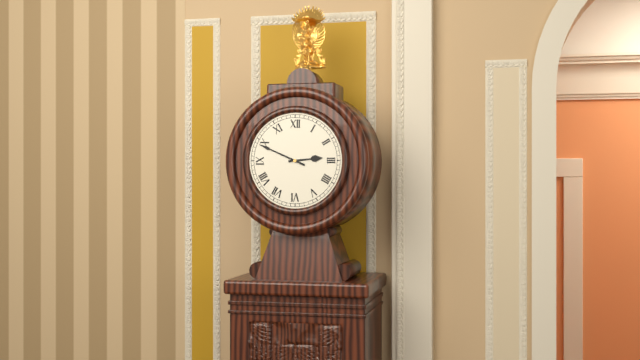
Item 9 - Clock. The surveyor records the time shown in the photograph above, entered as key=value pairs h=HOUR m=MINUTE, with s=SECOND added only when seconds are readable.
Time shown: h=2 m=49
